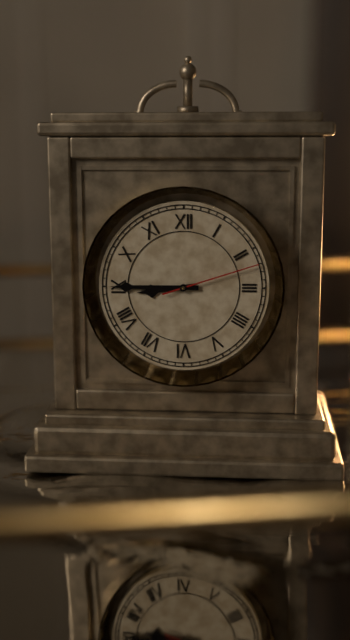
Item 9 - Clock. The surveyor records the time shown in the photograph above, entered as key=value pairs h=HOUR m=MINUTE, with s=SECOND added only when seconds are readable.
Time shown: h=8 m=45 s=12
